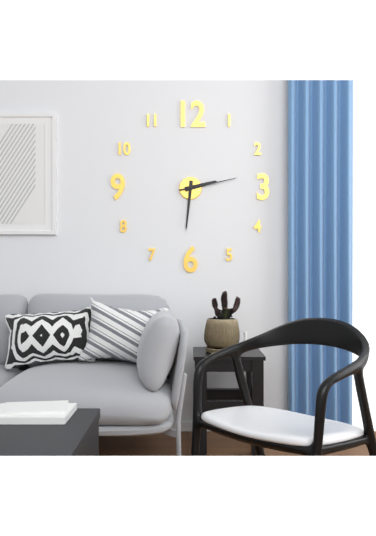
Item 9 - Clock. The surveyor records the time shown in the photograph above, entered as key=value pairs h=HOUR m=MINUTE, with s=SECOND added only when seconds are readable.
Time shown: h=2 m=31 s=13
